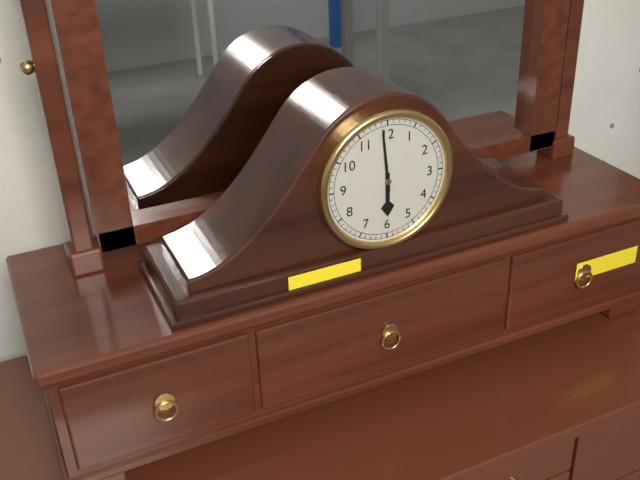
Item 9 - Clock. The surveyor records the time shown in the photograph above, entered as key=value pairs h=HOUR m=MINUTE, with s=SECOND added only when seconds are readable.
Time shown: h=5 m=59
